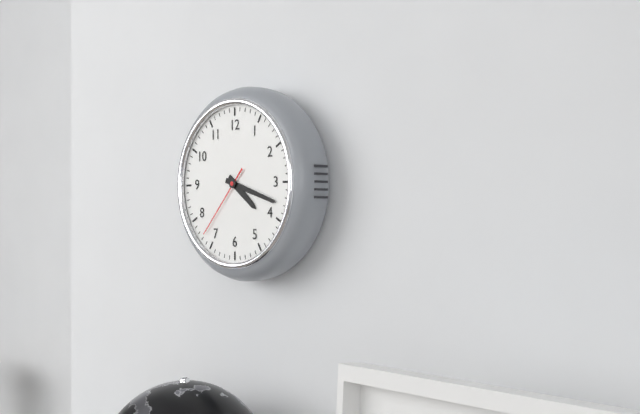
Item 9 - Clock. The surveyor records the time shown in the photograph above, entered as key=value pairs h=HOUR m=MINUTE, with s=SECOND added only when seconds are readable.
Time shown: h=4 m=18 s=37
